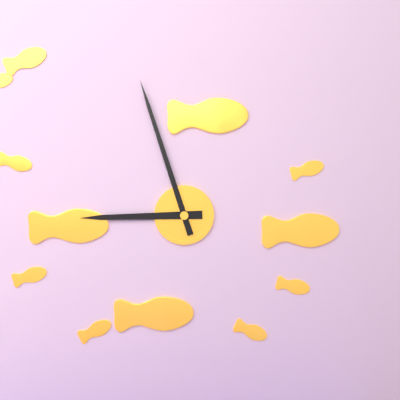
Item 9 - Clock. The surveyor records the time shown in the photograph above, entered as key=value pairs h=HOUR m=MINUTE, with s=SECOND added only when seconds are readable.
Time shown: h=8 m=57
